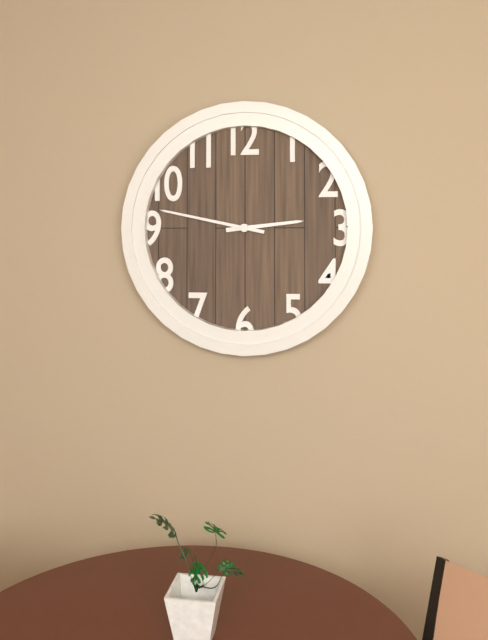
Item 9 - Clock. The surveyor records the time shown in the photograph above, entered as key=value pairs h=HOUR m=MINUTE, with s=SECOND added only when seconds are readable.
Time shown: h=2 m=47
